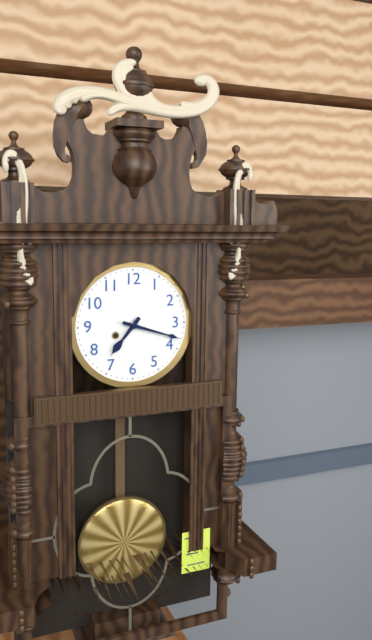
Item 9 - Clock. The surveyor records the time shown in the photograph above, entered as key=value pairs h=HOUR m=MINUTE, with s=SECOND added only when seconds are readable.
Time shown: h=7 m=18
